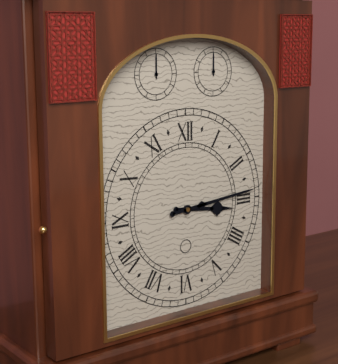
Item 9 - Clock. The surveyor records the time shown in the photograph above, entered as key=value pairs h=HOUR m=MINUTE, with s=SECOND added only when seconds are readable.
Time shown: h=3 m=14
